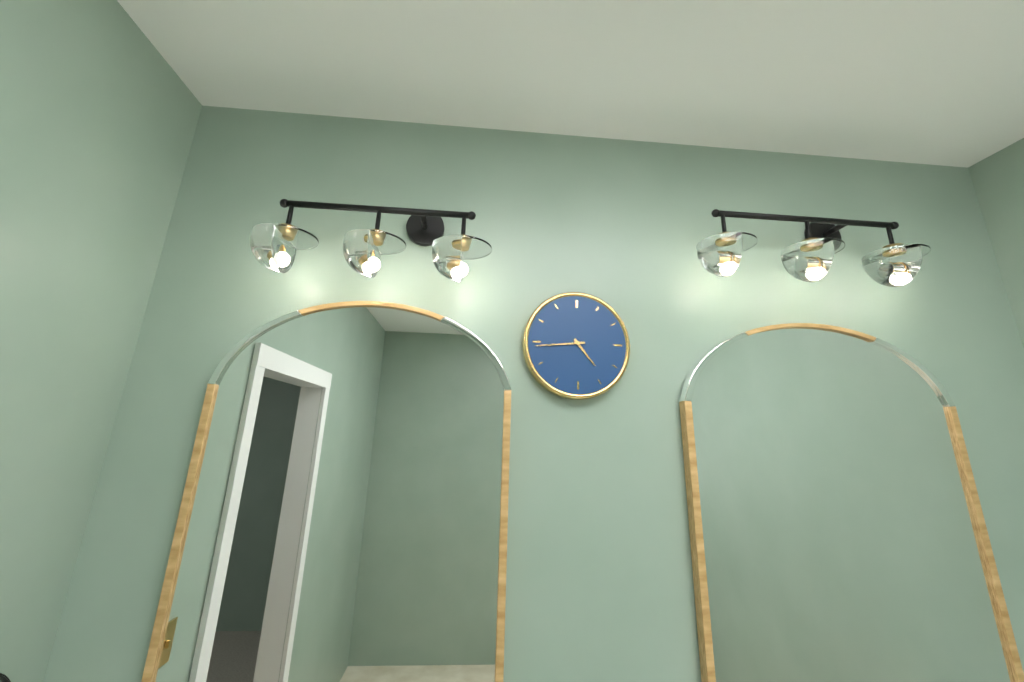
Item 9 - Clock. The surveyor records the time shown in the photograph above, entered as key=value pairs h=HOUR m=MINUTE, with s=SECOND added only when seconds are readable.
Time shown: h=4 m=44
